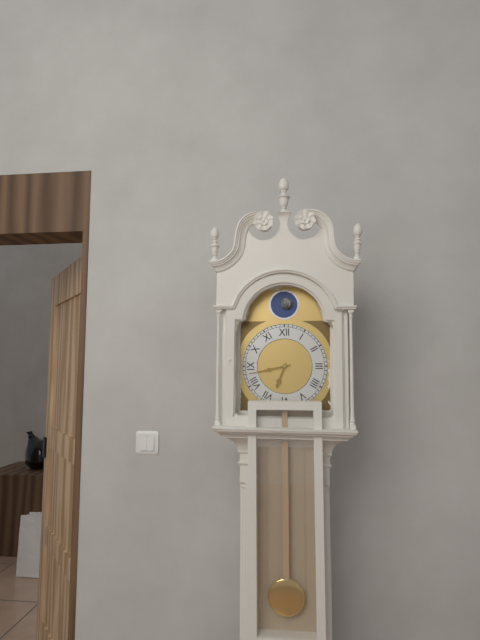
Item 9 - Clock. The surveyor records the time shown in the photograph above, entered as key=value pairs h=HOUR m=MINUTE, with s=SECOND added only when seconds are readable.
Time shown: h=6 m=43
